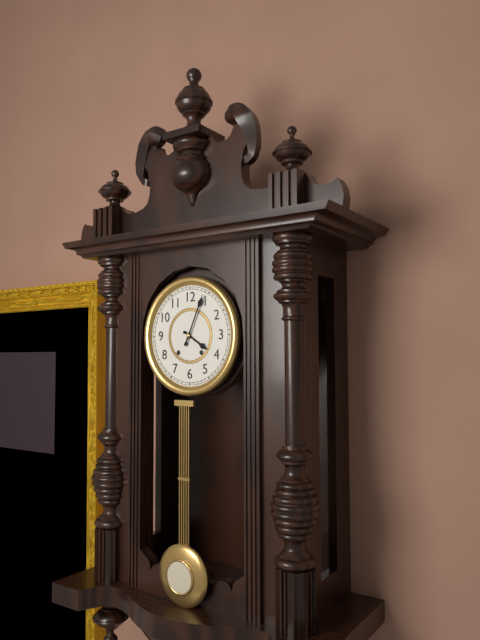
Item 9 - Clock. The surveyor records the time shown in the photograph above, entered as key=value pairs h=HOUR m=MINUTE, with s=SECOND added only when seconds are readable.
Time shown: h=4 m=4
